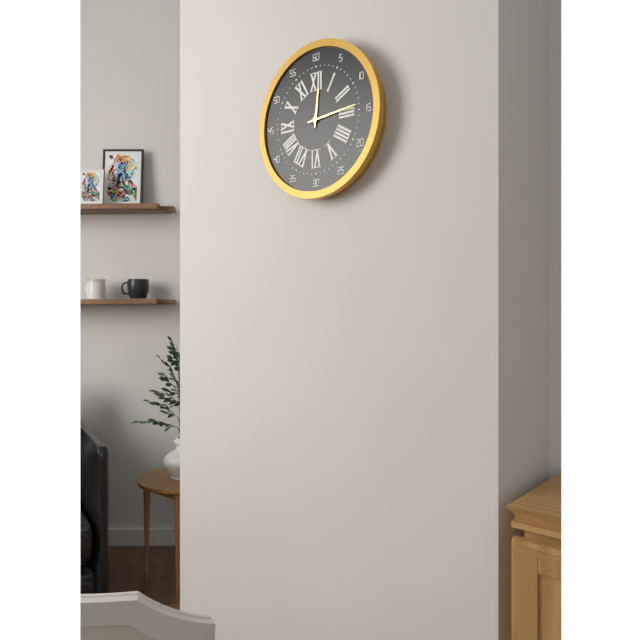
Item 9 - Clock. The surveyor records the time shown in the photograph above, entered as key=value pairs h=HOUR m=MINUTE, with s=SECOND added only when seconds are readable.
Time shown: h=12 m=14
